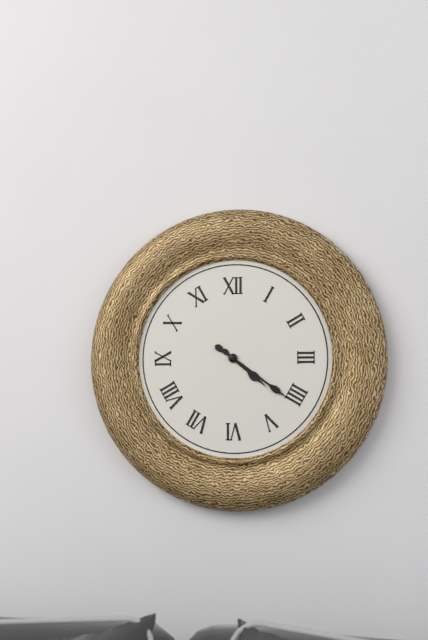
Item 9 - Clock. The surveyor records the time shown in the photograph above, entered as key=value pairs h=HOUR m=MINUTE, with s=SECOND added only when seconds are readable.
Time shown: h=4 m=21
